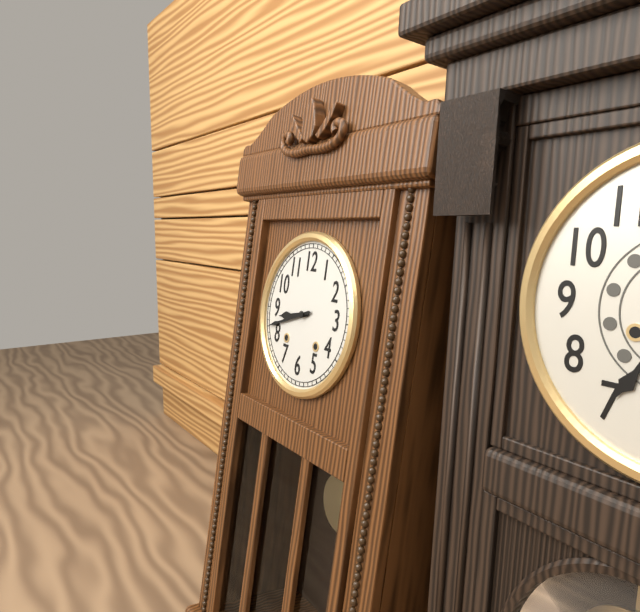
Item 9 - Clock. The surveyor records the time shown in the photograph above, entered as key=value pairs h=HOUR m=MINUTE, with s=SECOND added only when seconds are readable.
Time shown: h=8 m=42
